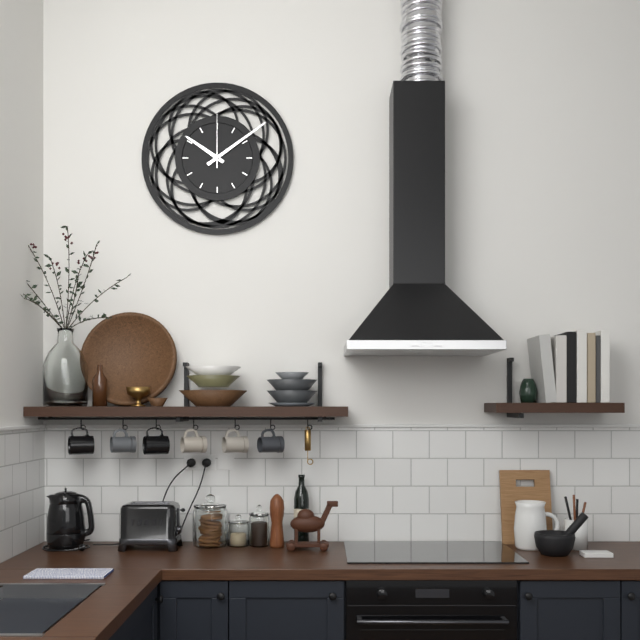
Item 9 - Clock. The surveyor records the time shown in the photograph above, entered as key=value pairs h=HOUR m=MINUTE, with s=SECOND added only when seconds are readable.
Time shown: h=10 m=9 s=0
